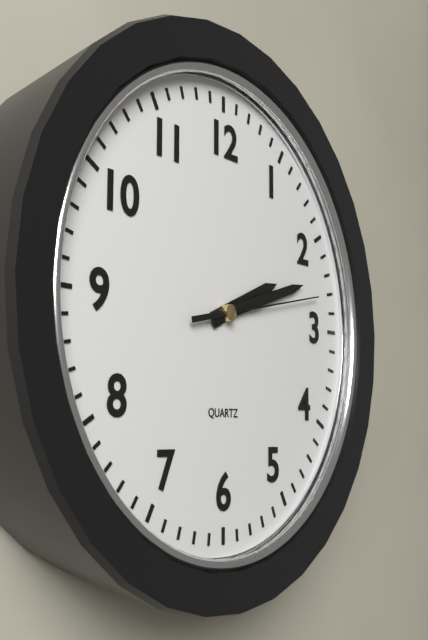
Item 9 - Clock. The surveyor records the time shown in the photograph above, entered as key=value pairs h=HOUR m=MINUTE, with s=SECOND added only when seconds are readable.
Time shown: h=2 m=12 s=13
